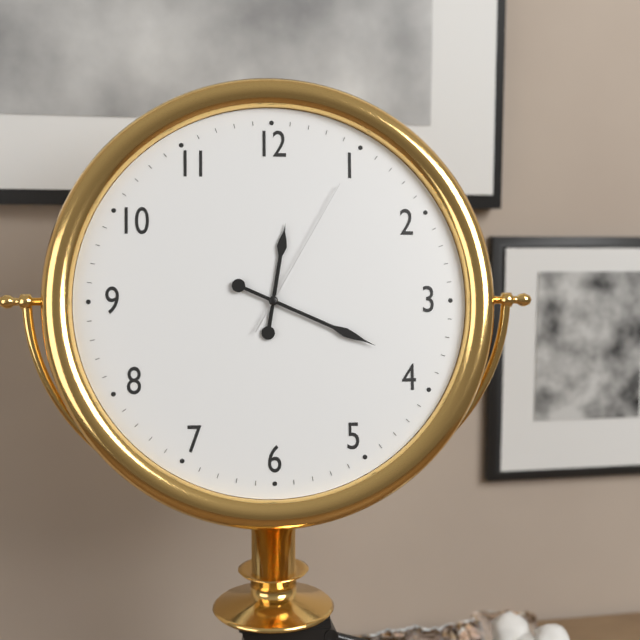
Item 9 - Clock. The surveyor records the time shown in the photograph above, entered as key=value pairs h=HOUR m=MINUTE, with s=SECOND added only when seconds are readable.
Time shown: h=12 m=19 s=5
